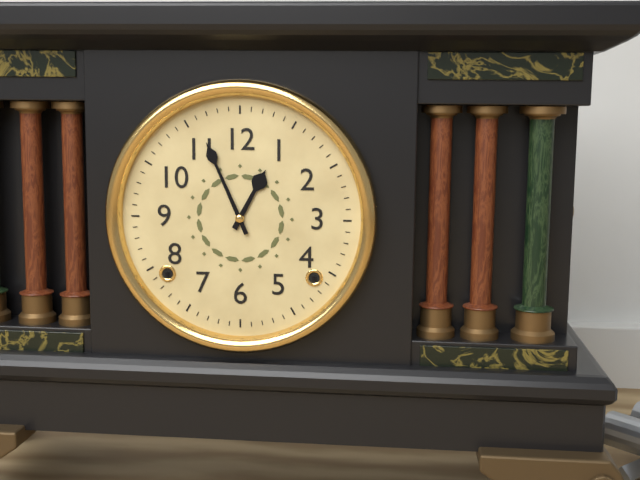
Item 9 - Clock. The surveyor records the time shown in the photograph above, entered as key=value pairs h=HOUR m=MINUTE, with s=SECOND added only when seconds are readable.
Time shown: h=12 m=56
